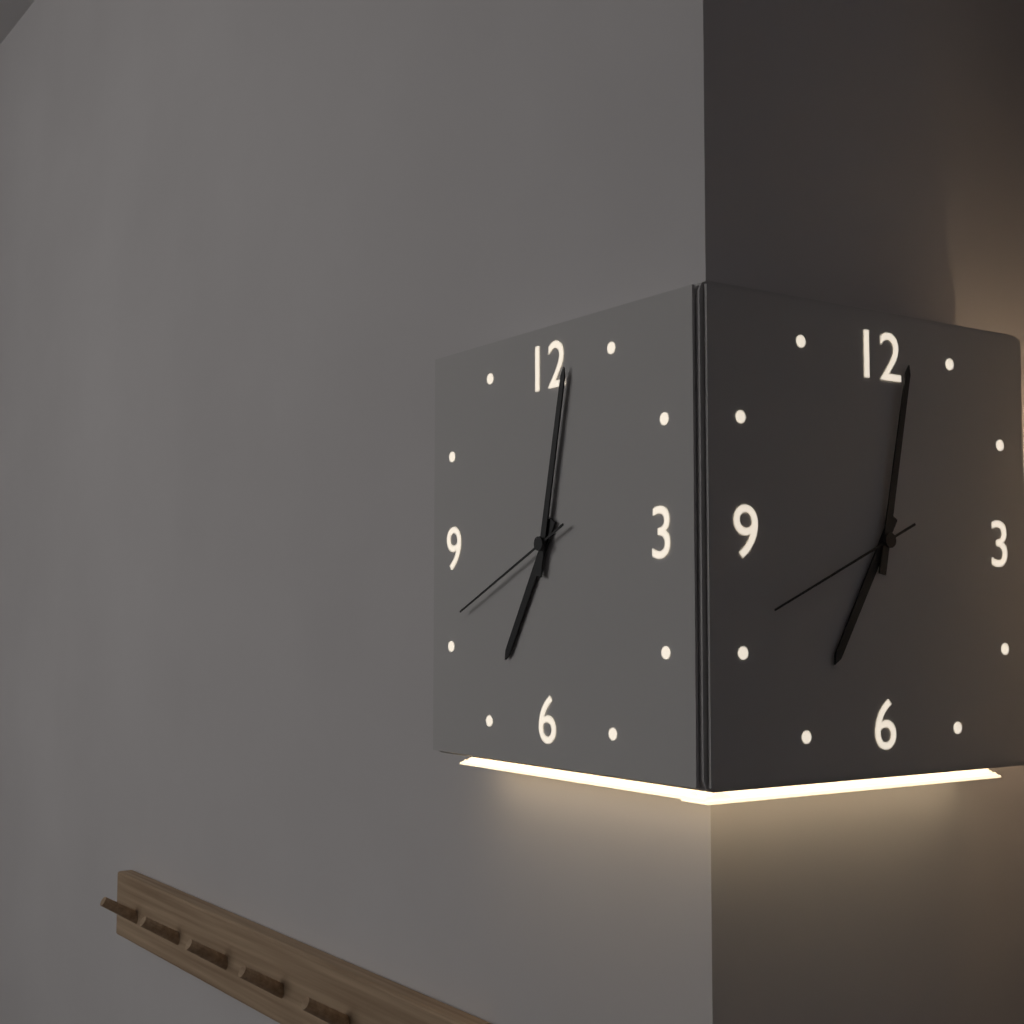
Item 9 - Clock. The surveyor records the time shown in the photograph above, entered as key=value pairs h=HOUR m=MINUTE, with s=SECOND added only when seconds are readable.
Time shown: h=7 m=2 s=41
